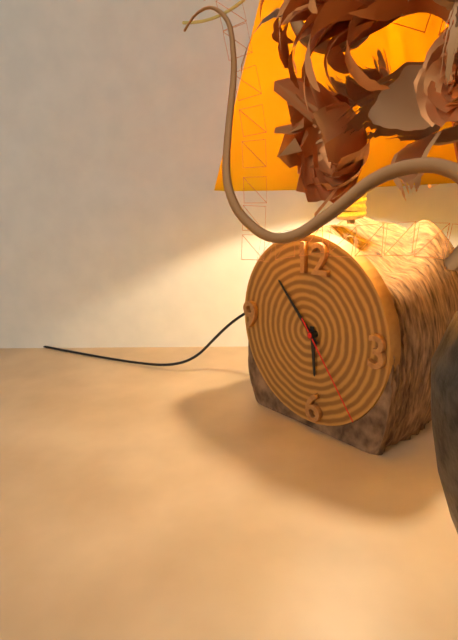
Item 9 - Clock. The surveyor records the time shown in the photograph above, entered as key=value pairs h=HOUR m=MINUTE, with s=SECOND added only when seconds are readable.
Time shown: h=5 m=53 s=24
